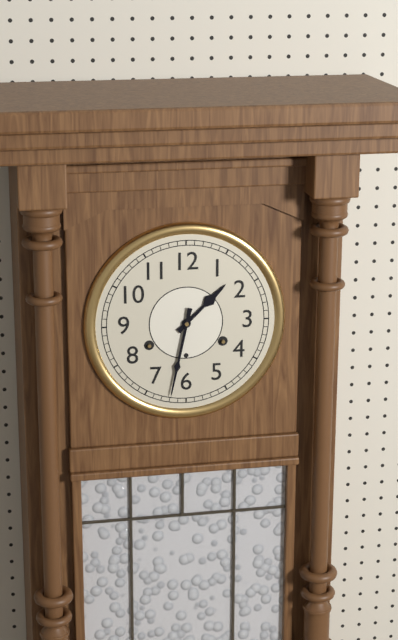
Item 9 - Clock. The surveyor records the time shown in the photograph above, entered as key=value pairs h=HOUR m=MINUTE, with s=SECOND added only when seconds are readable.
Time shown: h=1 m=32
